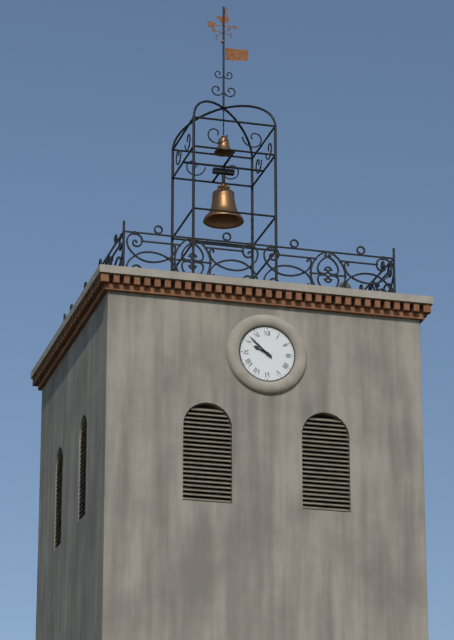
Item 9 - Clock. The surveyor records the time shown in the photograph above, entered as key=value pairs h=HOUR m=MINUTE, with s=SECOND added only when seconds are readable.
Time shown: h=9 m=52
